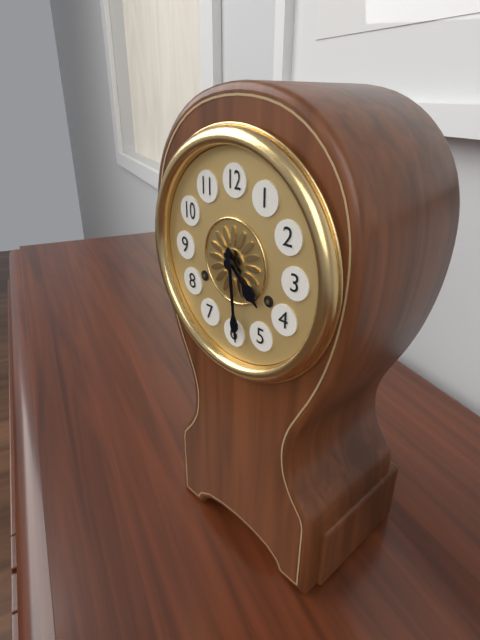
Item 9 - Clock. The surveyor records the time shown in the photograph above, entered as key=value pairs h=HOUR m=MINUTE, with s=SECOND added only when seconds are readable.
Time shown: h=4 m=29
